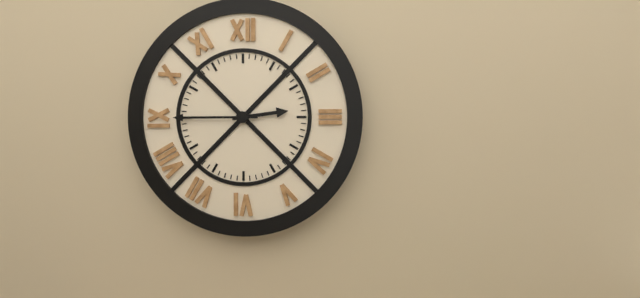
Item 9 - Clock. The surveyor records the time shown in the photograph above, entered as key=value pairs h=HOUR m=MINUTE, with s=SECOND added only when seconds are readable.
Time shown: h=2 m=45
